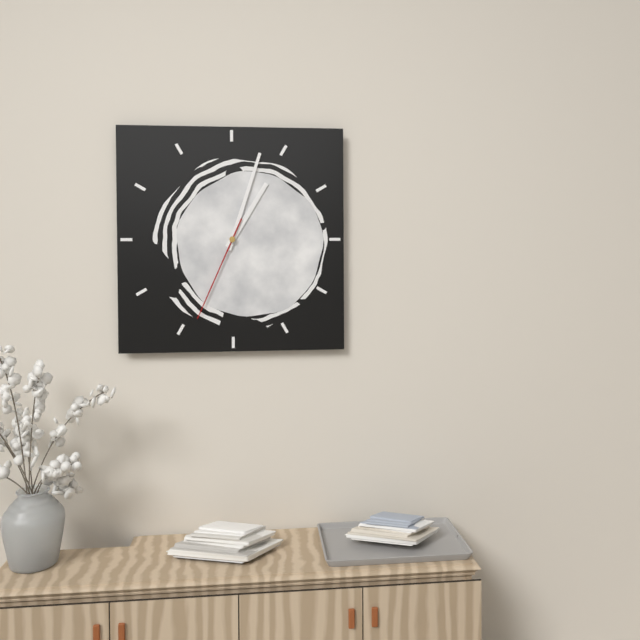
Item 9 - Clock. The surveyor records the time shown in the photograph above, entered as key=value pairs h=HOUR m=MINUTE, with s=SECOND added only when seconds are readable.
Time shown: h=1 m=3 s=34
